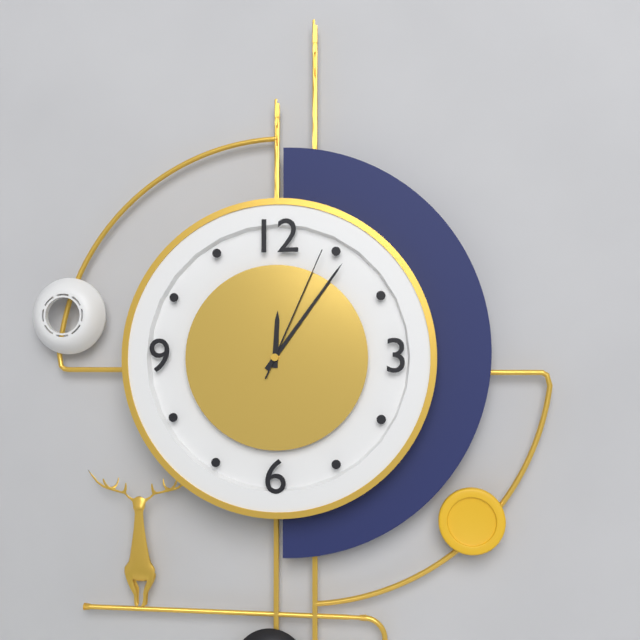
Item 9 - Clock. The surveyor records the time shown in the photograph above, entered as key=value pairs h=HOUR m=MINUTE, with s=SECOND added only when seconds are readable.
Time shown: h=12 m=6 s=4
